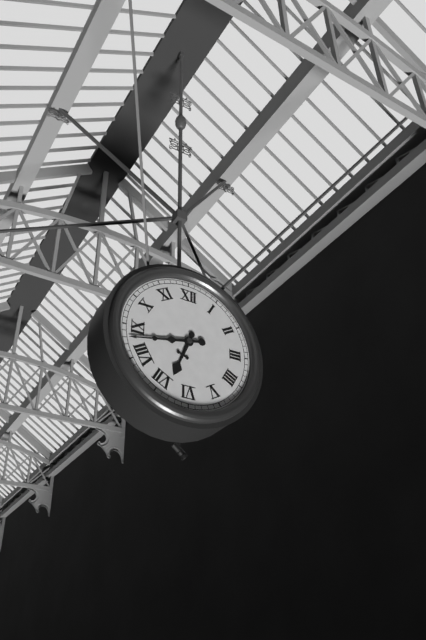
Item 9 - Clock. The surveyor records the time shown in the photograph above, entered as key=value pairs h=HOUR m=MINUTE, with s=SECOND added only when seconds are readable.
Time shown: h=6 m=43
